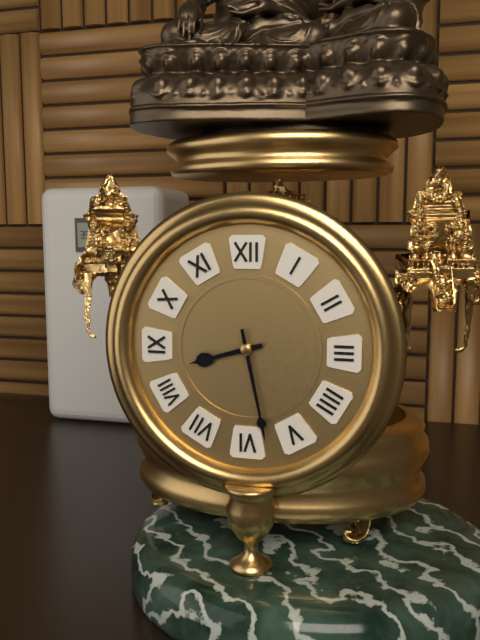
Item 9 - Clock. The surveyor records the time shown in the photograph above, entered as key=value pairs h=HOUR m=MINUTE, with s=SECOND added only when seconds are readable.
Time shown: h=8 m=28
